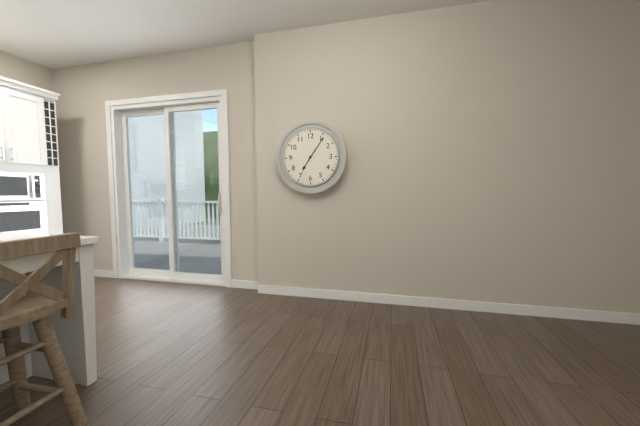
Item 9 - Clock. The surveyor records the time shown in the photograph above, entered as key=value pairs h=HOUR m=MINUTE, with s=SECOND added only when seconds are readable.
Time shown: h=7 m=6
